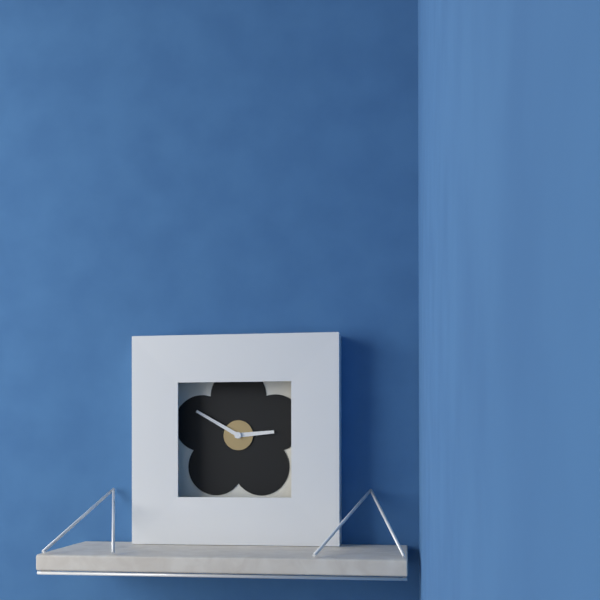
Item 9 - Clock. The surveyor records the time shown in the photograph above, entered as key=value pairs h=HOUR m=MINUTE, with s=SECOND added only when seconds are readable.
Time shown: h=2 m=50
